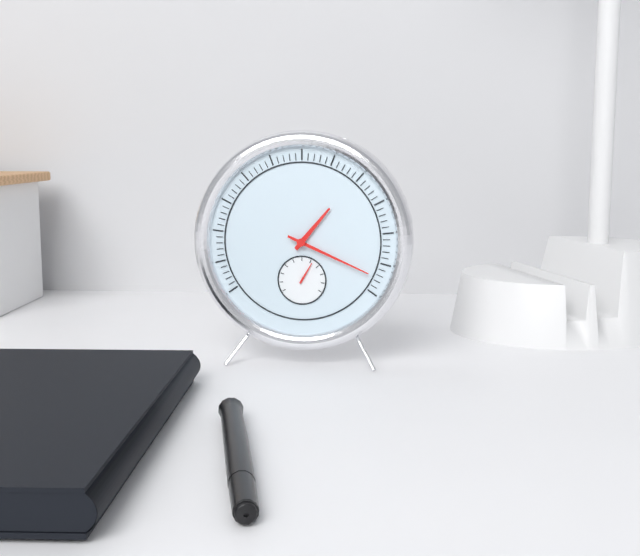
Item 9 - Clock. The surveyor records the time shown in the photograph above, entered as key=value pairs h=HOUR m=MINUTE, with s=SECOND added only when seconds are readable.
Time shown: h=1 m=19
